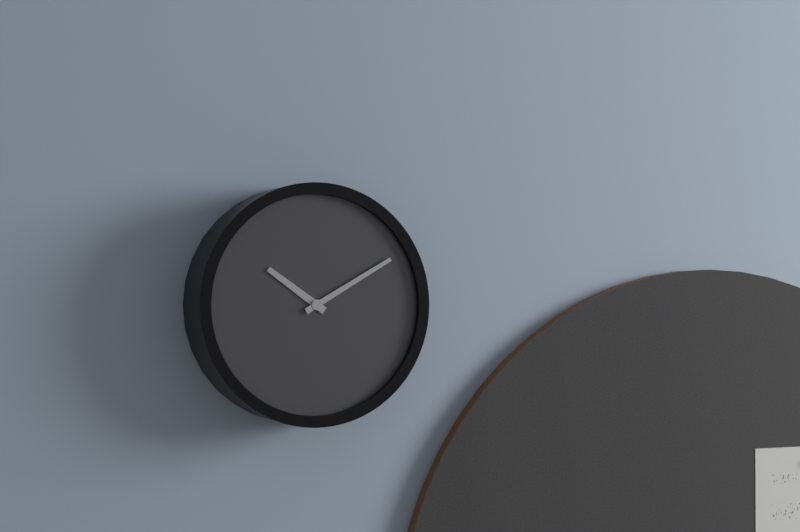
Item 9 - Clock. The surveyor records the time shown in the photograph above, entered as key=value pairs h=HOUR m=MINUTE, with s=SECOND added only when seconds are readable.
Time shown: h=10 m=10
